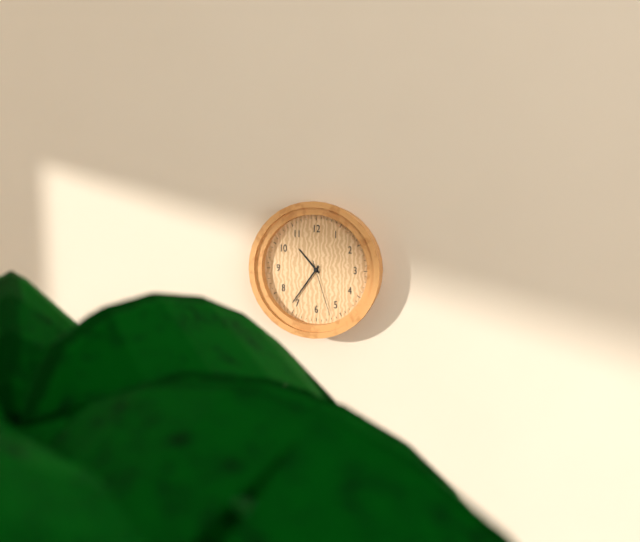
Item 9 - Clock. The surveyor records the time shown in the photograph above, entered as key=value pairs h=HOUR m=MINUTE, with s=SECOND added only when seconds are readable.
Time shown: h=10 m=36 s=27
